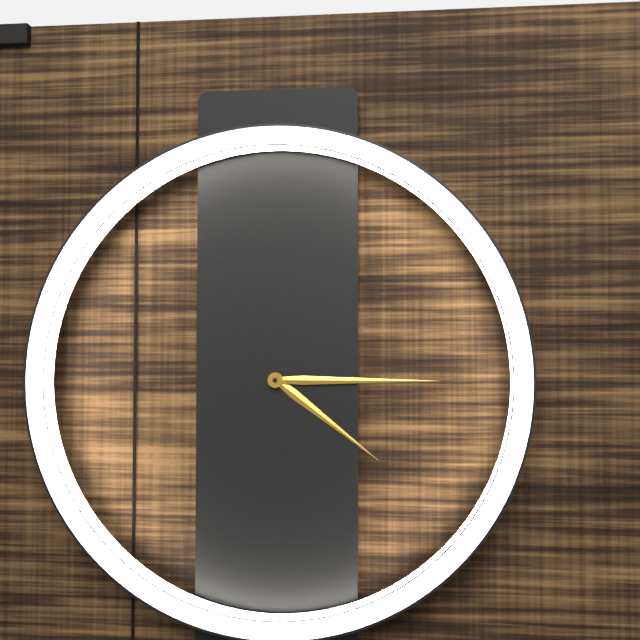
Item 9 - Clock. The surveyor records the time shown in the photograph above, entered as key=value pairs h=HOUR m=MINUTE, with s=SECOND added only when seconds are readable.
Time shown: h=4 m=15
